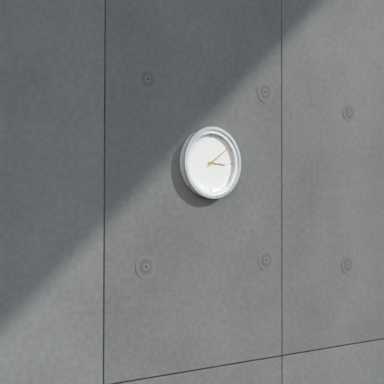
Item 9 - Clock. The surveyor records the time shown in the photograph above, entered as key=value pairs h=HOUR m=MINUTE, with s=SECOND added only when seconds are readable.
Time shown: h=3 m=9
